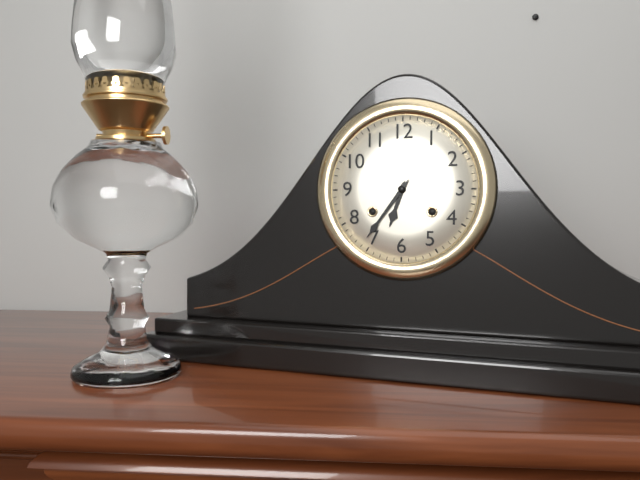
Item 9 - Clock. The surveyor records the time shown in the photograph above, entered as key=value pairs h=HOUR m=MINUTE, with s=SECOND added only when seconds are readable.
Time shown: h=6 m=36
